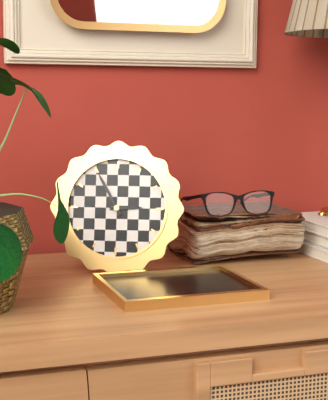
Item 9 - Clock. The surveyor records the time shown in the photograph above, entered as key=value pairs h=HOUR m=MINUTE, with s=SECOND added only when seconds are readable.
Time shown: h=2 m=55
